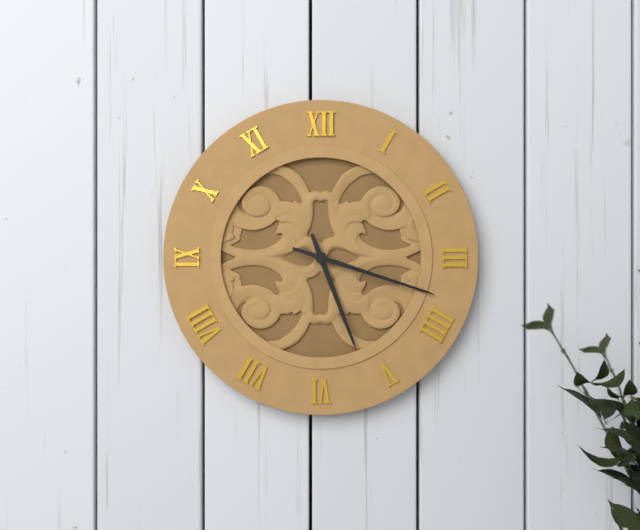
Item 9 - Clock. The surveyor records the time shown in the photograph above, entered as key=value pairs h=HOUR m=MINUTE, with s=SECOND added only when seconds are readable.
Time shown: h=5 m=18
